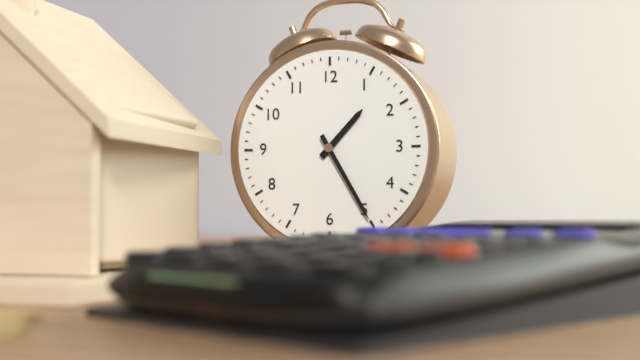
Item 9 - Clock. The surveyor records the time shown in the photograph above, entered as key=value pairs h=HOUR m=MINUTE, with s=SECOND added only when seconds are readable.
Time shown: h=1 m=25
